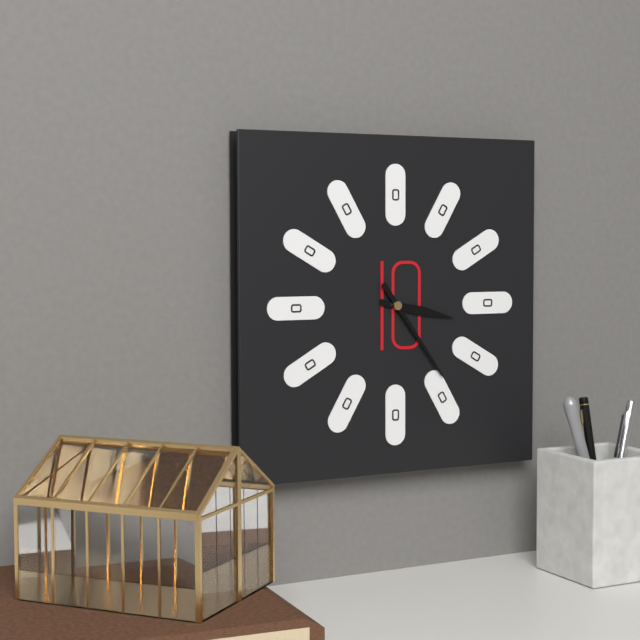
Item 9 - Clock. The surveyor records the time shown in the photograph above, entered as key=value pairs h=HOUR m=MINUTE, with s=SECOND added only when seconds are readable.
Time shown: h=3 m=24
